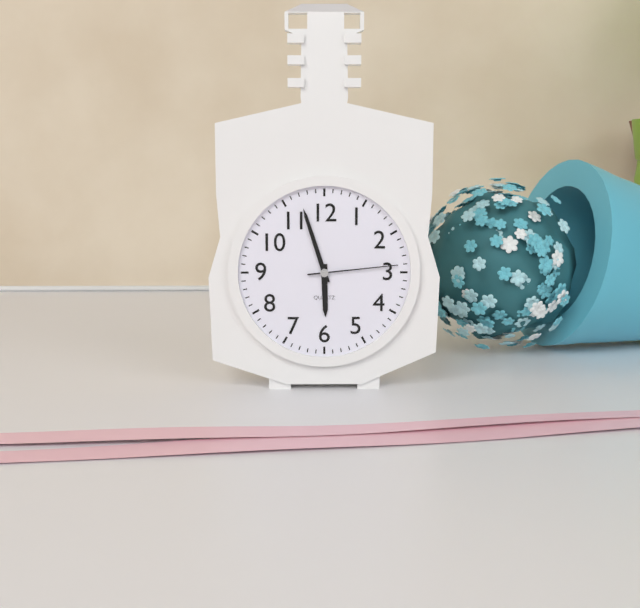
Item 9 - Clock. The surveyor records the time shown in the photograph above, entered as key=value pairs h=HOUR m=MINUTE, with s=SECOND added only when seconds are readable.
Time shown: h=5 m=57 s=14
